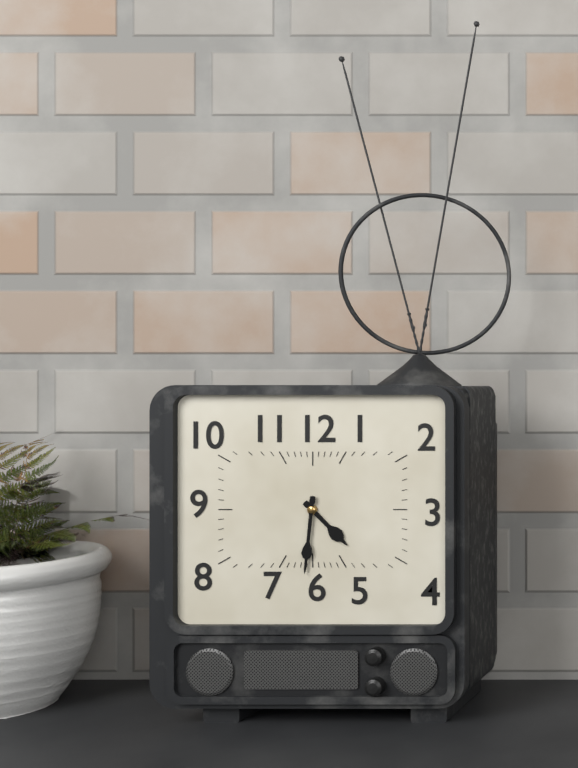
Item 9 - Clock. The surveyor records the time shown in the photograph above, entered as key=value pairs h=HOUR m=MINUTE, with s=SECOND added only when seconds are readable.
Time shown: h=4 m=31
